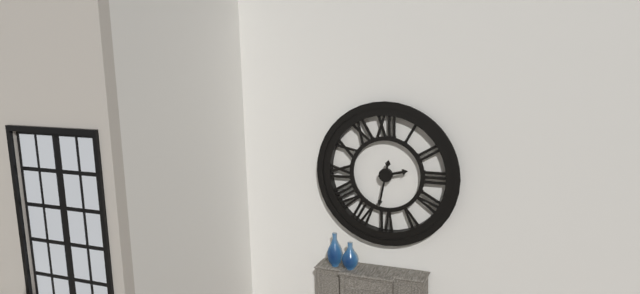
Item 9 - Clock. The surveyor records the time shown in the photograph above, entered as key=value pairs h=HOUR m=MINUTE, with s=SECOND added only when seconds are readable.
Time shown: h=2 m=32
